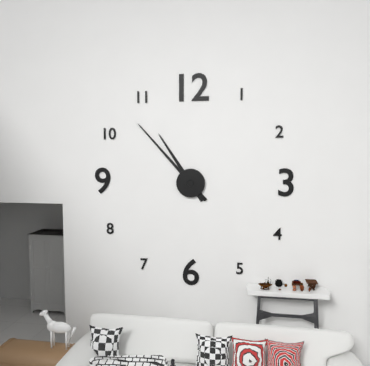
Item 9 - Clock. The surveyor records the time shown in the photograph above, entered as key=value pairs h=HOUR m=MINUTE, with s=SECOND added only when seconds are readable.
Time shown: h=10 m=53
